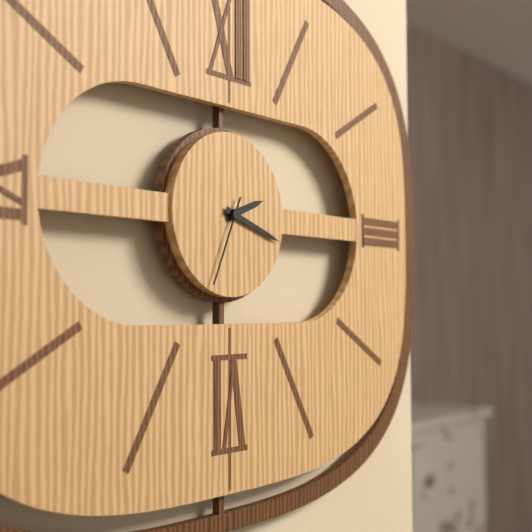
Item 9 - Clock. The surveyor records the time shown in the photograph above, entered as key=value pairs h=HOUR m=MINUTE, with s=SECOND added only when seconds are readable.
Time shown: h=2 m=18 s=34
